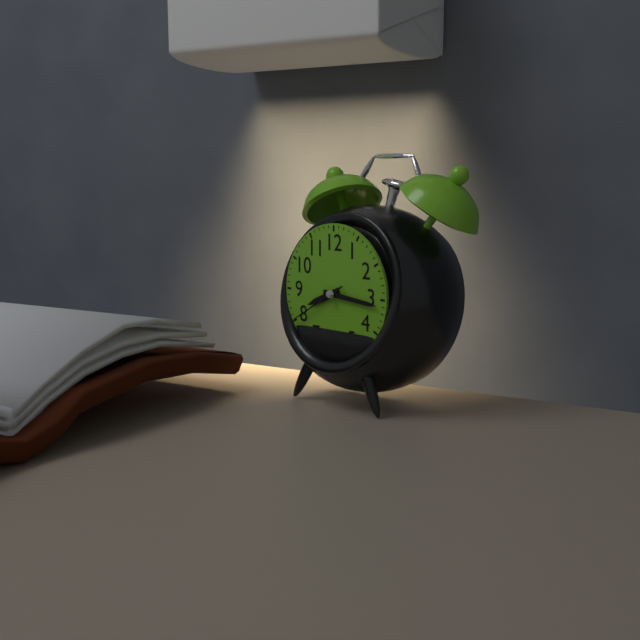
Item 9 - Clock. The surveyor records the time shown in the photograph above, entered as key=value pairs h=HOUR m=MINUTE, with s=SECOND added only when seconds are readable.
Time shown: h=8 m=16 s=40
